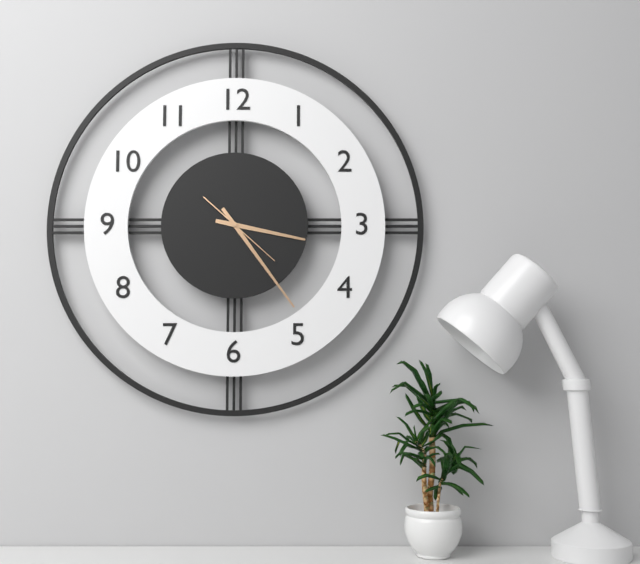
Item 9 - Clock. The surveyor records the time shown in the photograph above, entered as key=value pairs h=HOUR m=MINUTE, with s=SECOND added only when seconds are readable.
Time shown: h=3 m=24 s=22
